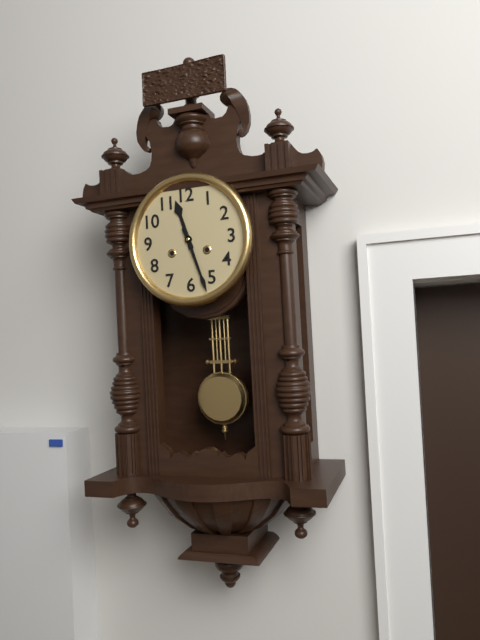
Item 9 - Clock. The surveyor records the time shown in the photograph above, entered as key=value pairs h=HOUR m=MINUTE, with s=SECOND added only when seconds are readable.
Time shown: h=11 m=27
